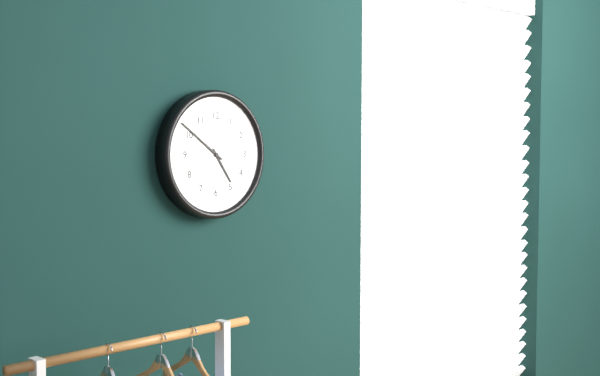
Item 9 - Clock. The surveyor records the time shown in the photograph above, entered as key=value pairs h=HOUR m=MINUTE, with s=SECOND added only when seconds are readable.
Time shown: h=4 m=51
